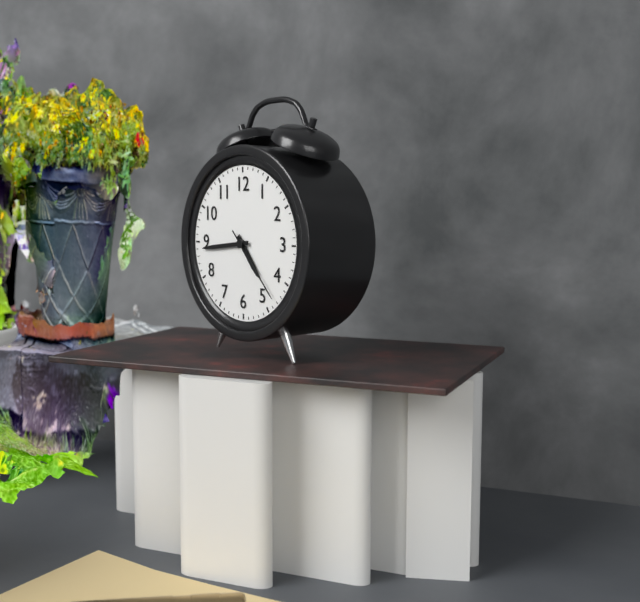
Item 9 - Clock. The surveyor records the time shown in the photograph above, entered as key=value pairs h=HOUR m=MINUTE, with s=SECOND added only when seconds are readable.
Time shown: h=4 m=44 s=23
